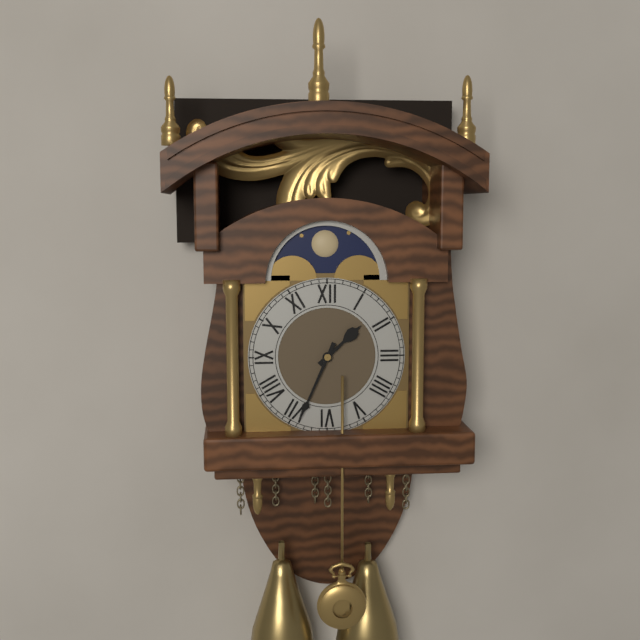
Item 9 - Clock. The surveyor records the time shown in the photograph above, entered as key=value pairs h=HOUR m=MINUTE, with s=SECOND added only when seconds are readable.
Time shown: h=1 m=34
